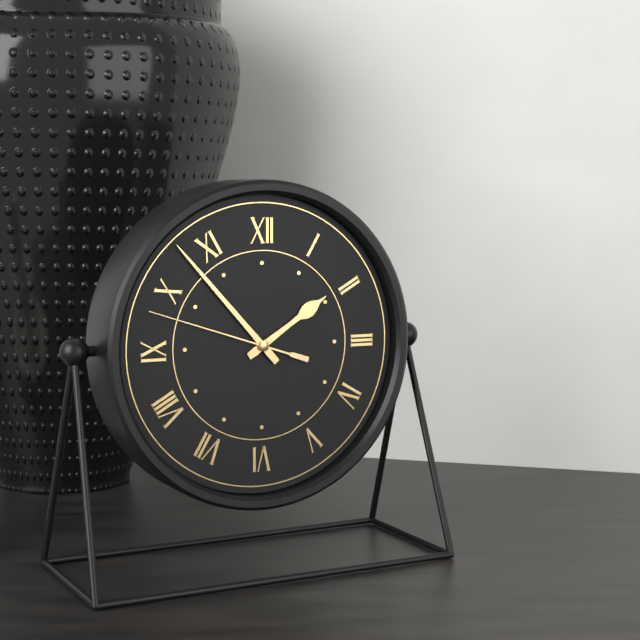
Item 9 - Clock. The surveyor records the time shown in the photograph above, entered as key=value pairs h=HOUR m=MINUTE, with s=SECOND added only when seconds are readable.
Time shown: h=1 m=53 s=48
